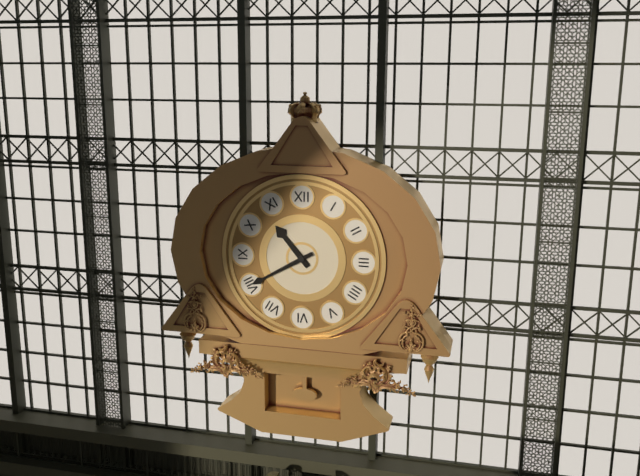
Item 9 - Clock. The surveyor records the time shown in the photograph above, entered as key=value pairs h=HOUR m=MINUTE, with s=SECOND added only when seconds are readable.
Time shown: h=10 m=40
